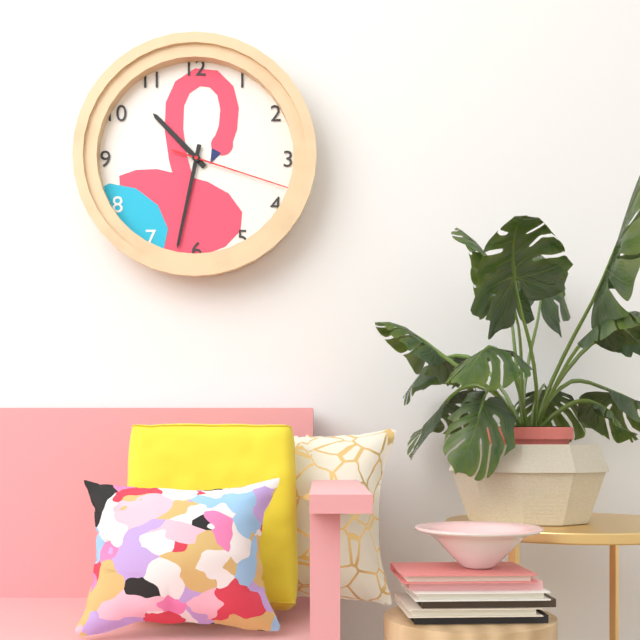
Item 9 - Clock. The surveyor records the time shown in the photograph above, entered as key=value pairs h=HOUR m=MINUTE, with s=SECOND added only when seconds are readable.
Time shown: h=10 m=32 s=18
